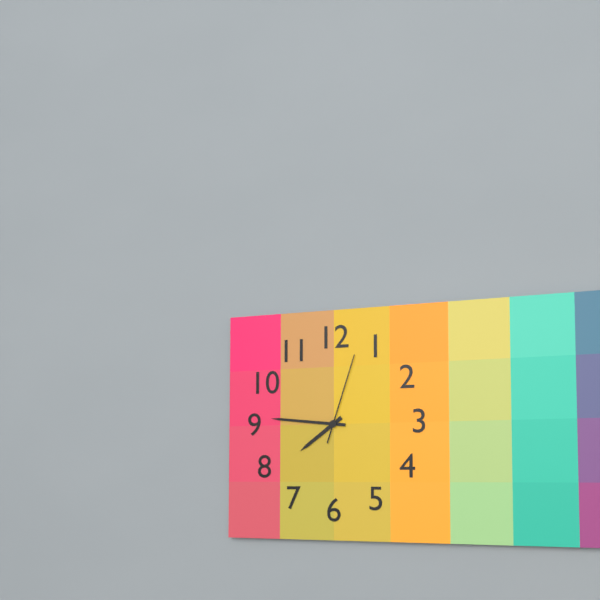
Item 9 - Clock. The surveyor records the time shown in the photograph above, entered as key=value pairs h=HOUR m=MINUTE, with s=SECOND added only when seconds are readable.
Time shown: h=7 m=46 s=3
